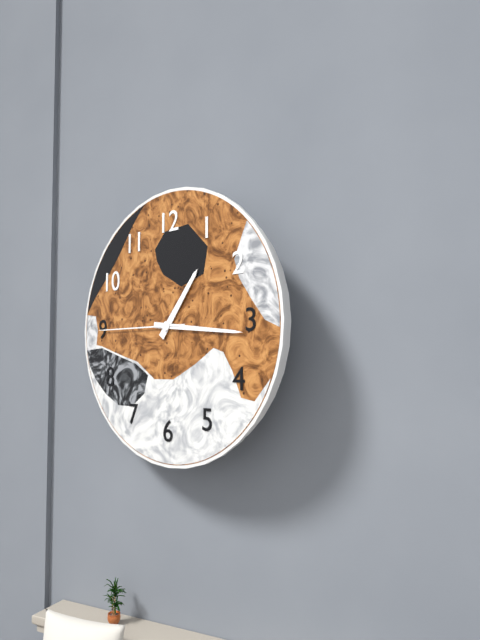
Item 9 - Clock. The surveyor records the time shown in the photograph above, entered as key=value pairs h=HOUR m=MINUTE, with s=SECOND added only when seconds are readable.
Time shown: h=1 m=16 s=45
